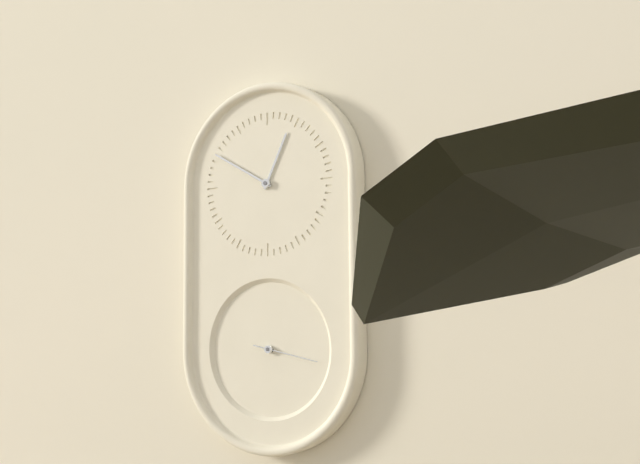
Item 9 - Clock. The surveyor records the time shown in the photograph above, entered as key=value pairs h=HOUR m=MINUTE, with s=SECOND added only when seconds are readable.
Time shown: h=12 m=50 s=17
